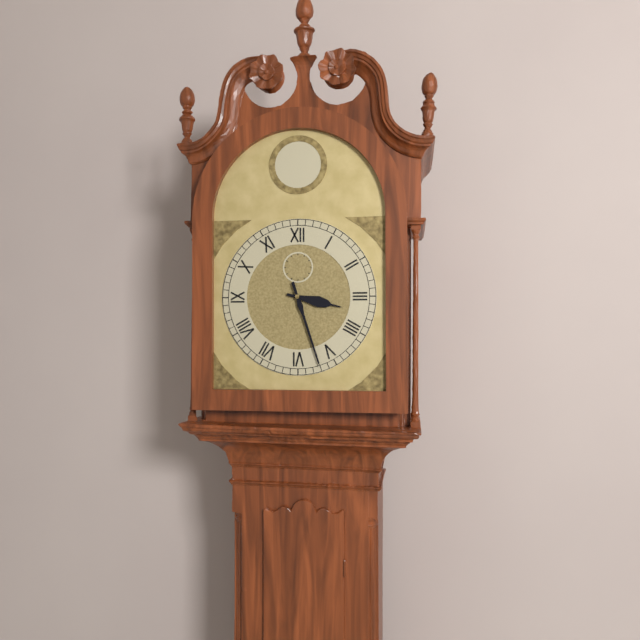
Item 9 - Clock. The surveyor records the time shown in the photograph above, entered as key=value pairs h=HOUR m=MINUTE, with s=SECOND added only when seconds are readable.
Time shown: h=3 m=27
